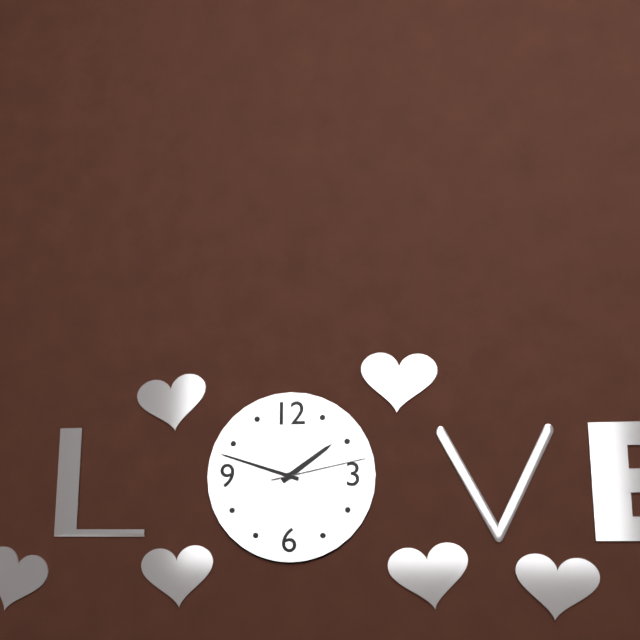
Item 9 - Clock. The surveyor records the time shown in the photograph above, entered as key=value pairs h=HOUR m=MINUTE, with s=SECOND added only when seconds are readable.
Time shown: h=1 m=48 s=13
